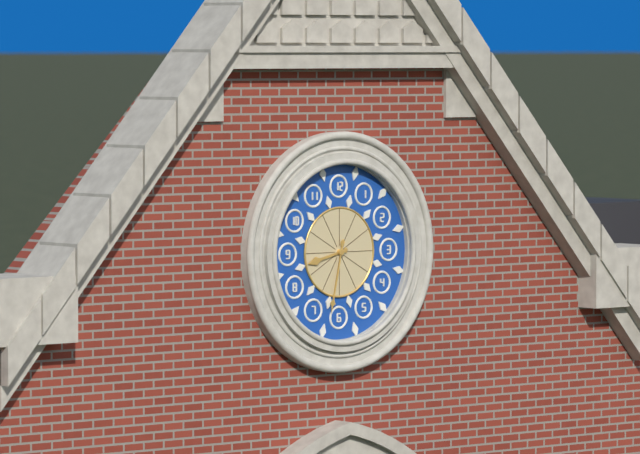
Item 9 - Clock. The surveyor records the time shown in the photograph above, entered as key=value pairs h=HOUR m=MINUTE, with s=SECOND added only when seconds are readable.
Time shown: h=8 m=32
